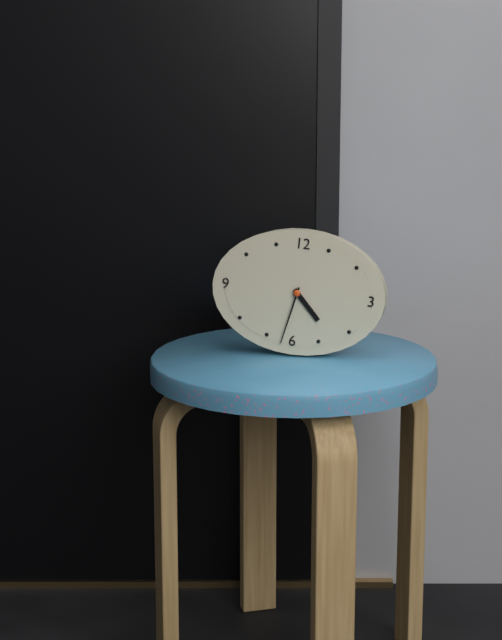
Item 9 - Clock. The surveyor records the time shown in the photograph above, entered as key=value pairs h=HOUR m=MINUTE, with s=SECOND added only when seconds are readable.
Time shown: h=4 m=32
